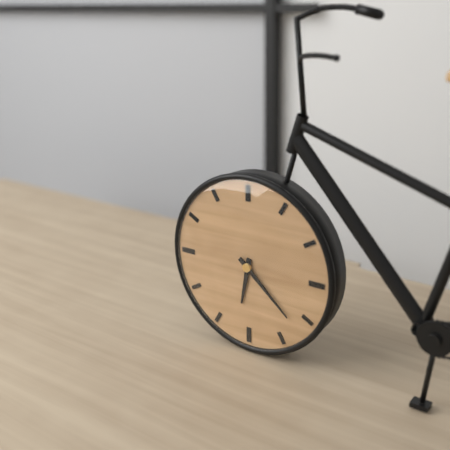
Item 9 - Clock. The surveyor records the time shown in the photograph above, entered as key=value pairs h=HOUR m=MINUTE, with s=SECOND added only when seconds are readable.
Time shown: h=6 m=22
